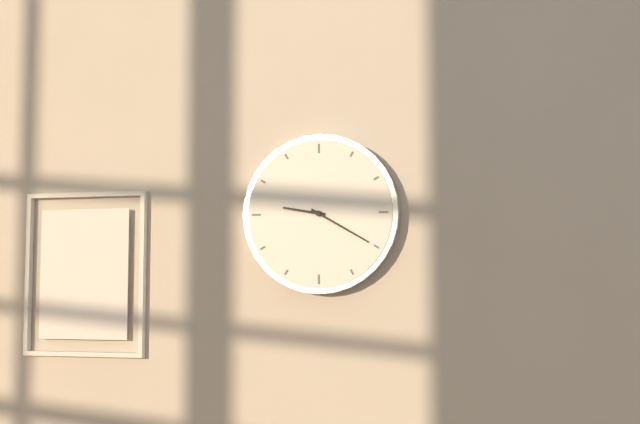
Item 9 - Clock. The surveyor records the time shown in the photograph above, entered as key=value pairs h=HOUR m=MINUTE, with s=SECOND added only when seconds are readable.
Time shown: h=9 m=20
